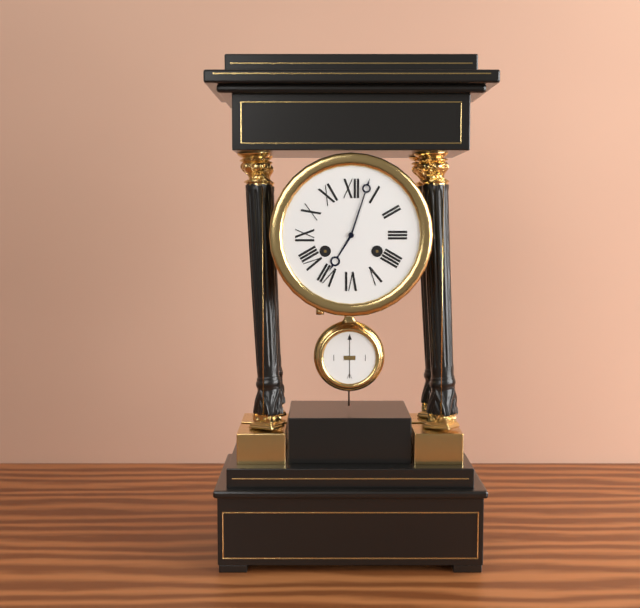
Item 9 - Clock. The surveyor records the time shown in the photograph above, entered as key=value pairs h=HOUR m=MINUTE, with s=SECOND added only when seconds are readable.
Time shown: h=7 m=3
